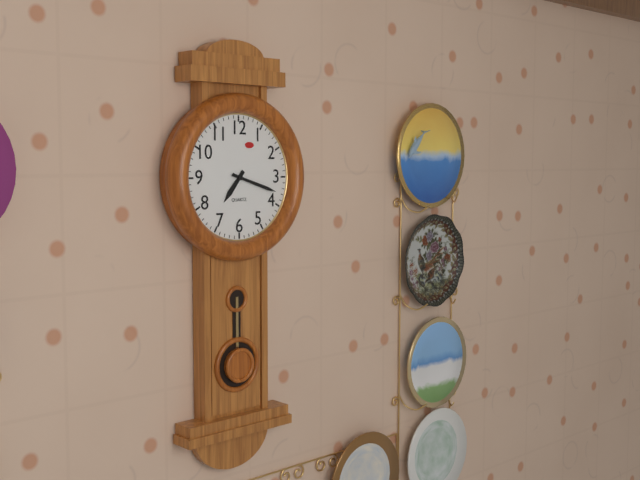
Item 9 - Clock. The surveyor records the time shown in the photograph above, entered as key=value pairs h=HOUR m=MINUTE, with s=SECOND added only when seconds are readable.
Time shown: h=7 m=18
